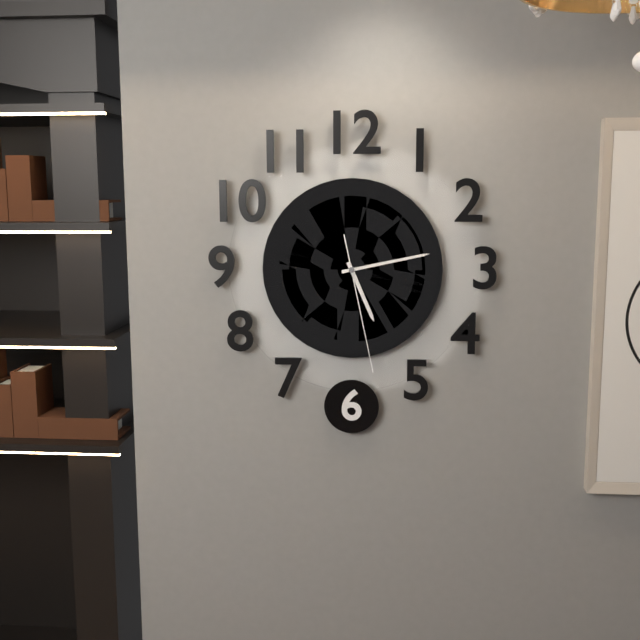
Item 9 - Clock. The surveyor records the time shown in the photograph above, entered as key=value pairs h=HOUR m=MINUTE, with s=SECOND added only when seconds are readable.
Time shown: h=5 m=13 s=28
